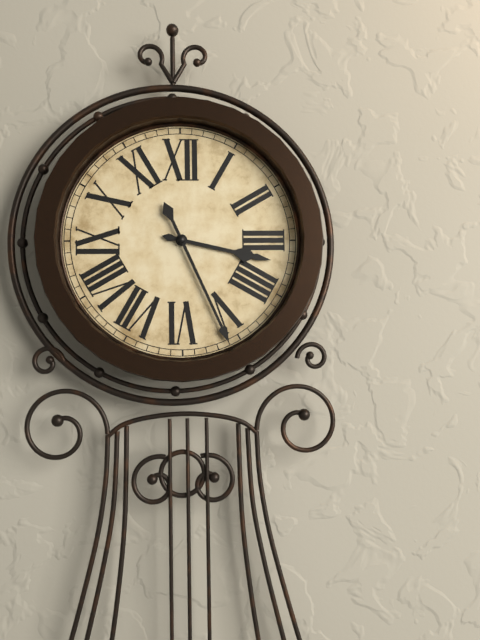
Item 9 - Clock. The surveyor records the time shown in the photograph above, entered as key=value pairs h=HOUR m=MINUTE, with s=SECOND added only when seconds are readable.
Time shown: h=3 m=26
